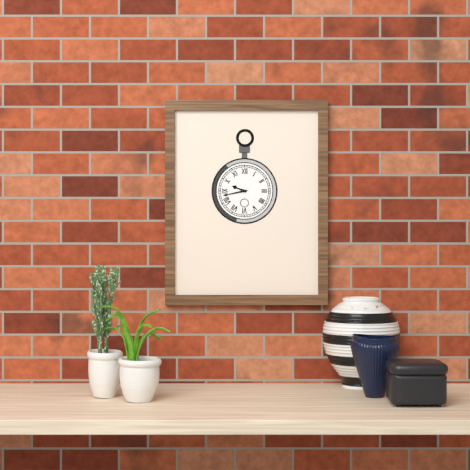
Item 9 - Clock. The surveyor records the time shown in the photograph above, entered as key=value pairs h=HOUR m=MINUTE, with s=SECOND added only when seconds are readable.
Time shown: h=9 m=43
